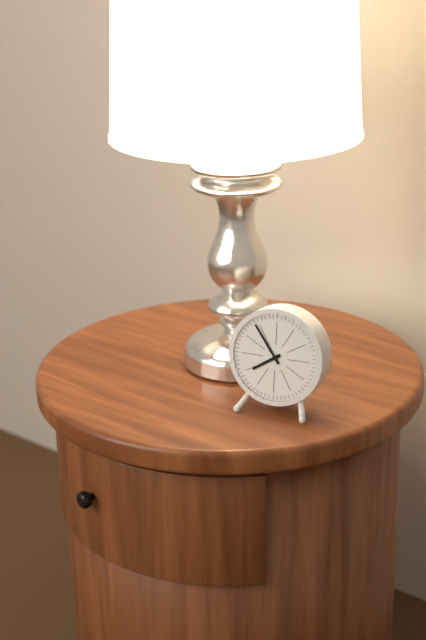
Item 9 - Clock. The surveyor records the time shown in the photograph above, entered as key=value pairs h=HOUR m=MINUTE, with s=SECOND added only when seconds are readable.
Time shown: h=7 m=54
